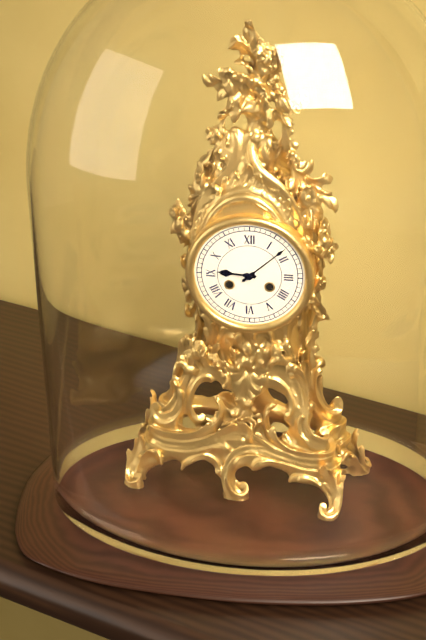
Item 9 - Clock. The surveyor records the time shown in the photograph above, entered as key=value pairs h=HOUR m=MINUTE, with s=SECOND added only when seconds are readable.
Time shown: h=9 m=8
